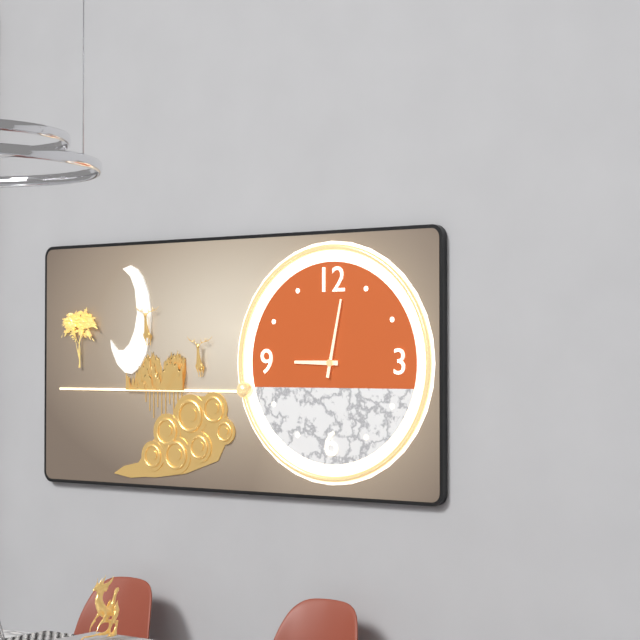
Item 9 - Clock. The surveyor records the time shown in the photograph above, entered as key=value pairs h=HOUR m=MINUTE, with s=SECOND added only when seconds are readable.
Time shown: h=9 m=2
